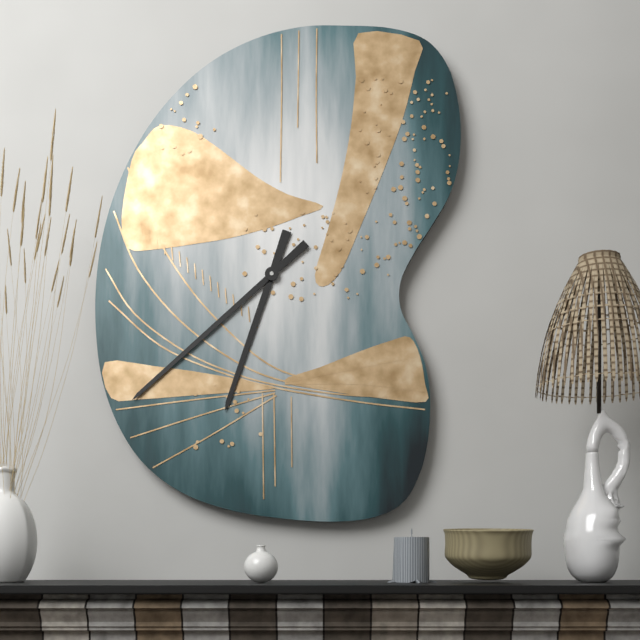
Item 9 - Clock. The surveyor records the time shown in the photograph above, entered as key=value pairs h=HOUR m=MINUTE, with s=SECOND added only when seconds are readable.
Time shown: h=6 m=38
